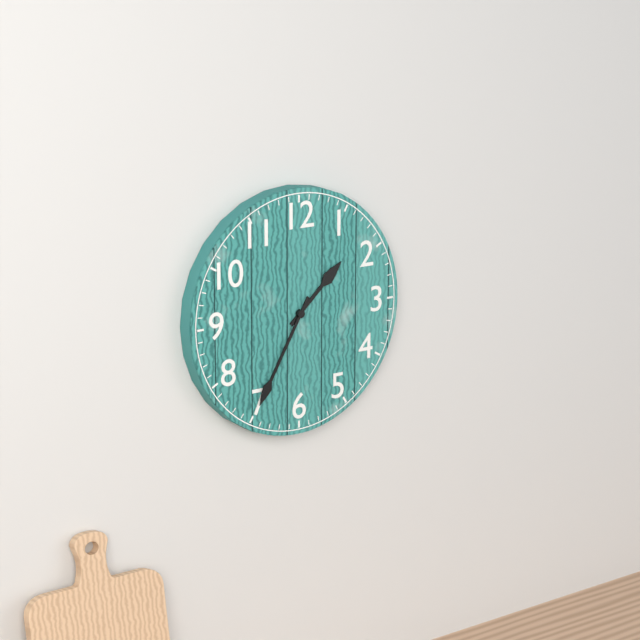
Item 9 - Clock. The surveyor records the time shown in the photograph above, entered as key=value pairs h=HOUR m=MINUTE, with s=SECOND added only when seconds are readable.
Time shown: h=1 m=35
